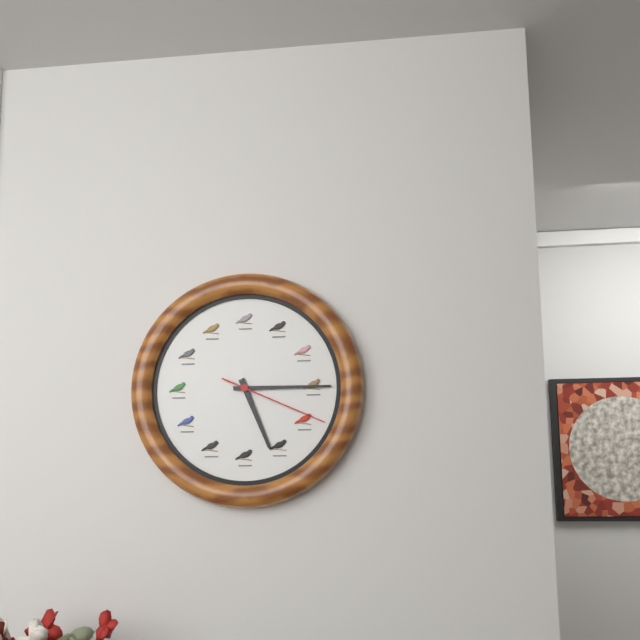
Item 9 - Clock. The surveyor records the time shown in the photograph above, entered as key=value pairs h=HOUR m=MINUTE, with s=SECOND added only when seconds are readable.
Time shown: h=5 m=15 s=19
